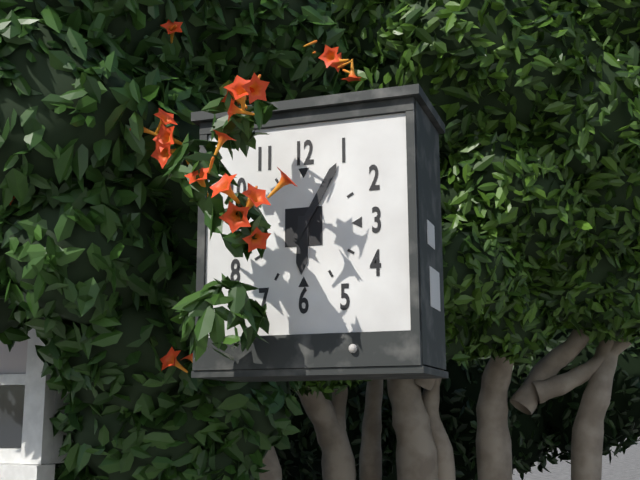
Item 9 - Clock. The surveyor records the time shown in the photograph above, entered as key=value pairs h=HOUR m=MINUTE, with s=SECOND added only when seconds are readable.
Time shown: h=6 m=5
